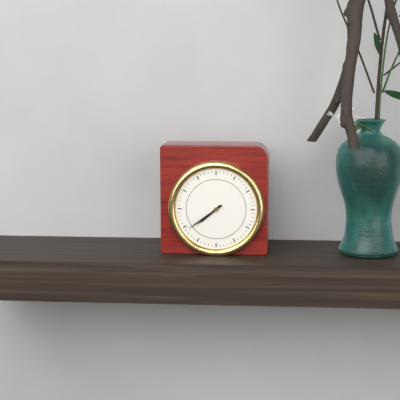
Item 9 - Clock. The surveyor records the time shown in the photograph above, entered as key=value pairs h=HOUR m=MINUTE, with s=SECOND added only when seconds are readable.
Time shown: h=7 m=39
